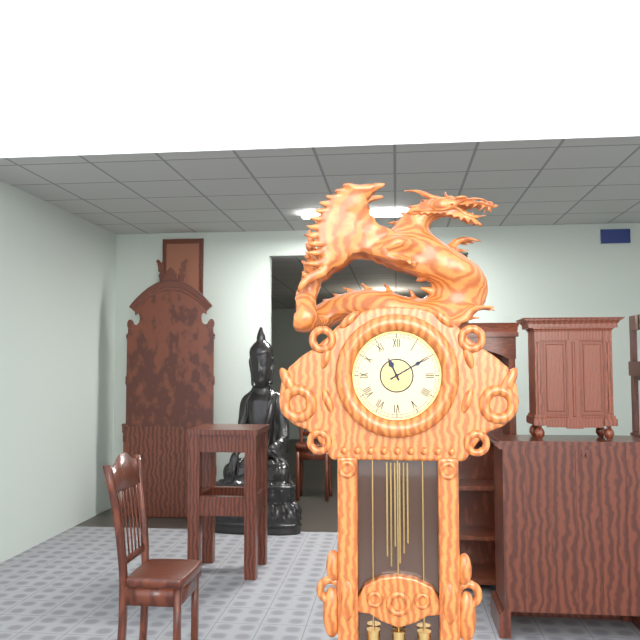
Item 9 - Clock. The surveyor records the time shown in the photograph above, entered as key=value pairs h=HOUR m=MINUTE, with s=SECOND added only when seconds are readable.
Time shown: h=11 m=10
